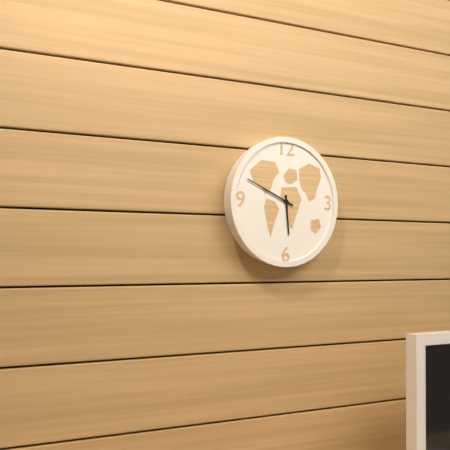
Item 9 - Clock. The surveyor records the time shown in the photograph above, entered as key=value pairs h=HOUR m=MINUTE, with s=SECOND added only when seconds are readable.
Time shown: h=5 m=49
